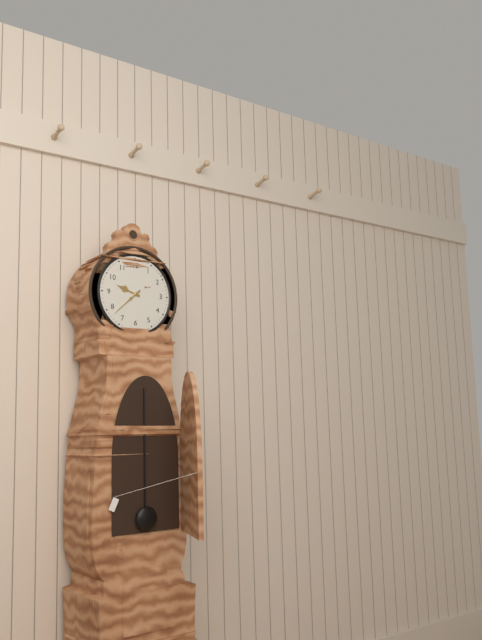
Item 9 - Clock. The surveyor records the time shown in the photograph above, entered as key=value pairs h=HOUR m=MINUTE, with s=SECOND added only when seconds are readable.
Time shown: h=9 m=38
